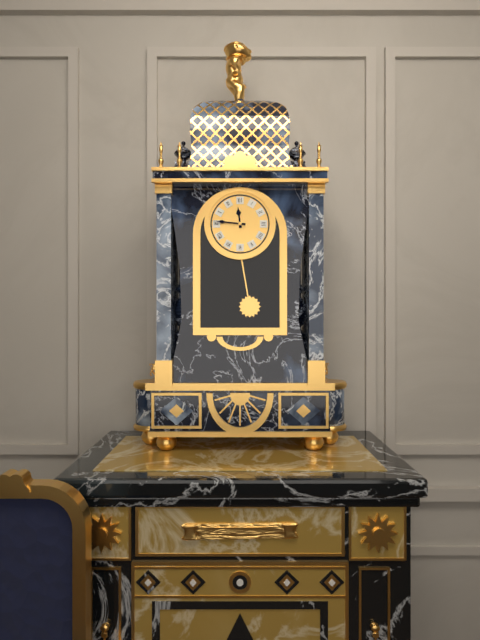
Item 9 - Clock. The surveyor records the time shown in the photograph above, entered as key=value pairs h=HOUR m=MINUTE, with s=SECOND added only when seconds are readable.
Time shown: h=11 m=46
